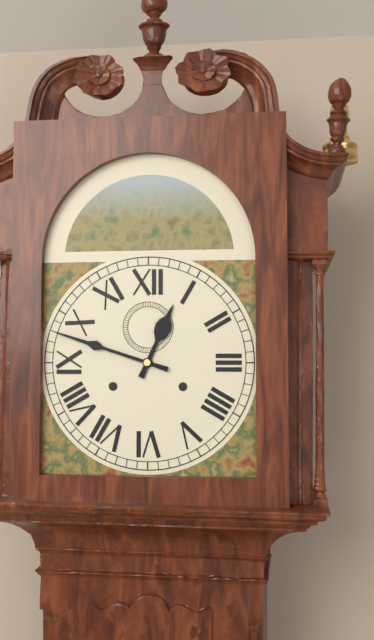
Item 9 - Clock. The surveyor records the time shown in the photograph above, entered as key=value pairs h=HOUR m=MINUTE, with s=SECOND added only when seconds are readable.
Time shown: h=12 m=48
